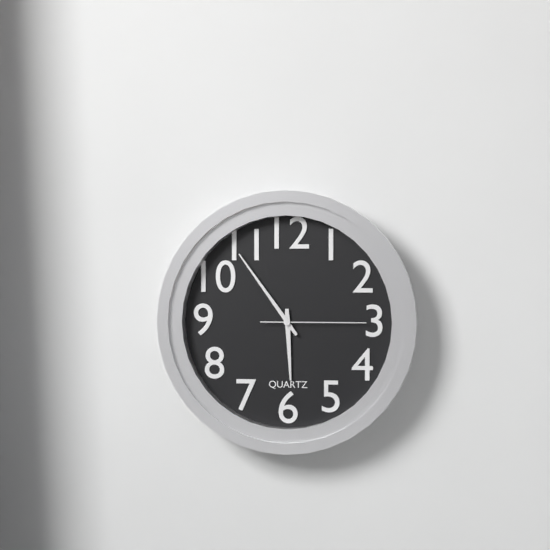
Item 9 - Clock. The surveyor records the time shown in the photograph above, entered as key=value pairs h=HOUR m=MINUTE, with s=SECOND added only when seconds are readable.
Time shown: h=5 m=54 s=15
